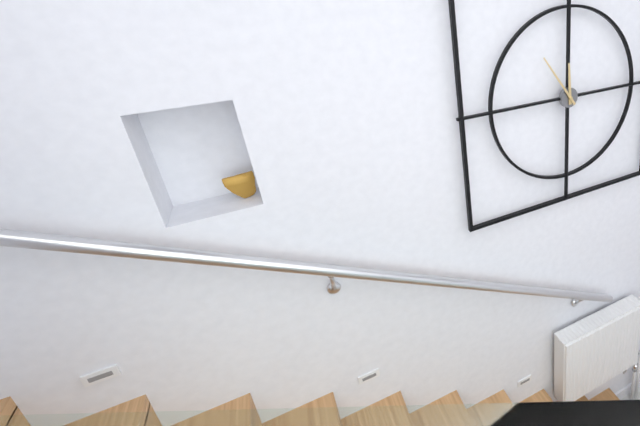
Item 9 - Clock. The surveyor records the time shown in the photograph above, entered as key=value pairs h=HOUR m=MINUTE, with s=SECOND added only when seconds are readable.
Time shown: h=11 m=54
